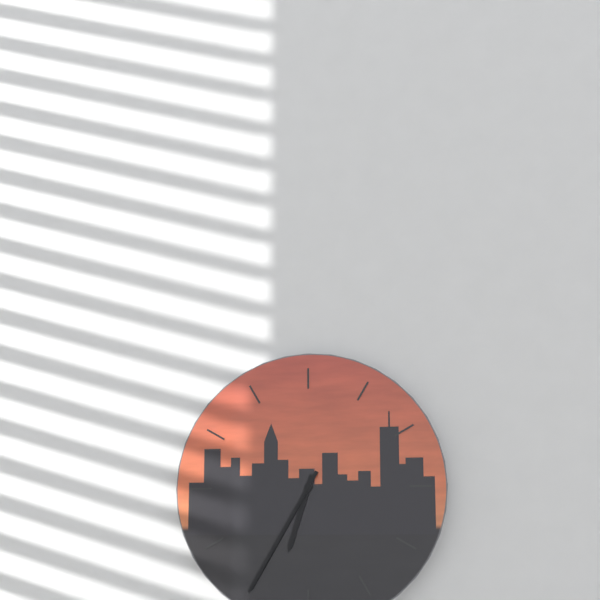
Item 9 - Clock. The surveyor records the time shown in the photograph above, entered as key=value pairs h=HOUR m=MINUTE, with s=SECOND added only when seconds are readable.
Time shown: h=6 m=35
